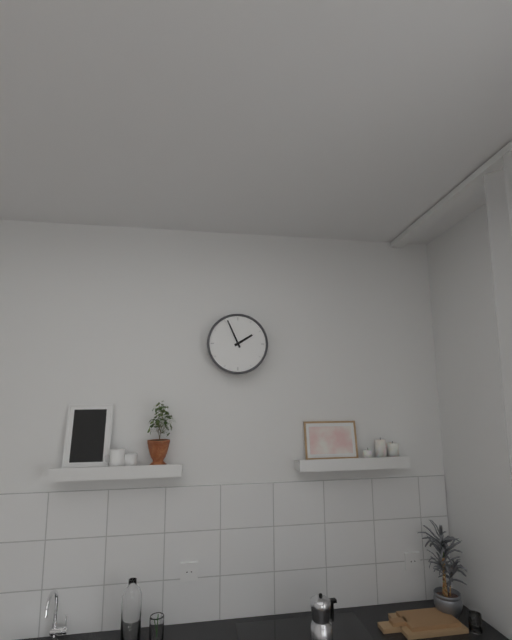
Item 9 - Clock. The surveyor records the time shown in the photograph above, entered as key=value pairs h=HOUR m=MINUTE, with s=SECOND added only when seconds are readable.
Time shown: h=1 m=56
